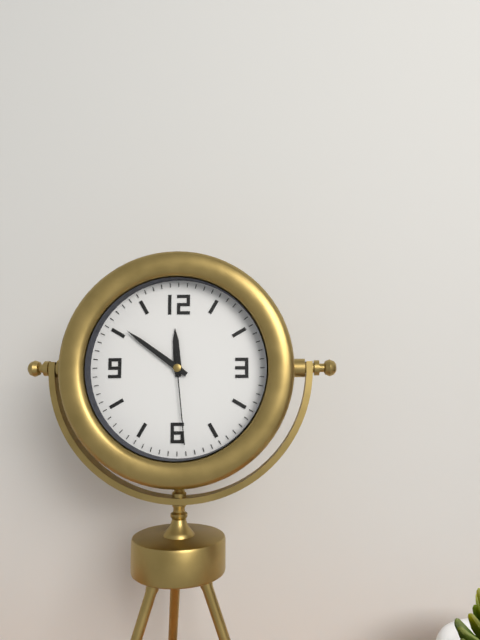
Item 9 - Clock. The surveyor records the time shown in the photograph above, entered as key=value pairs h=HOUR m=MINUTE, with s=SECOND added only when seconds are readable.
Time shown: h=11 m=51 s=29
